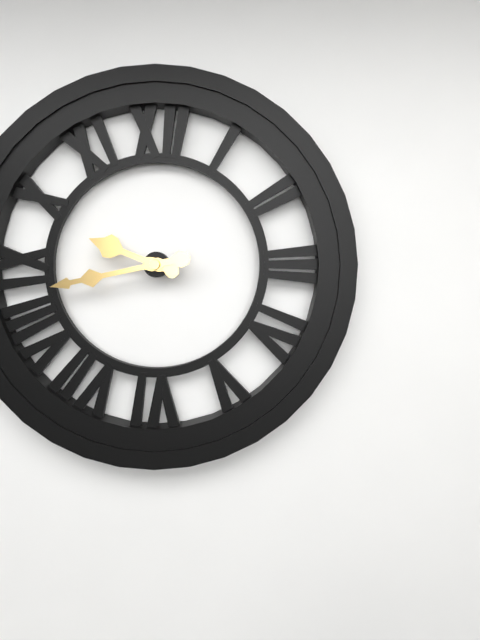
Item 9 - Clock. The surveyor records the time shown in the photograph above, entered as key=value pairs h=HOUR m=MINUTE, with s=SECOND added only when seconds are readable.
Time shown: h=9 m=43
